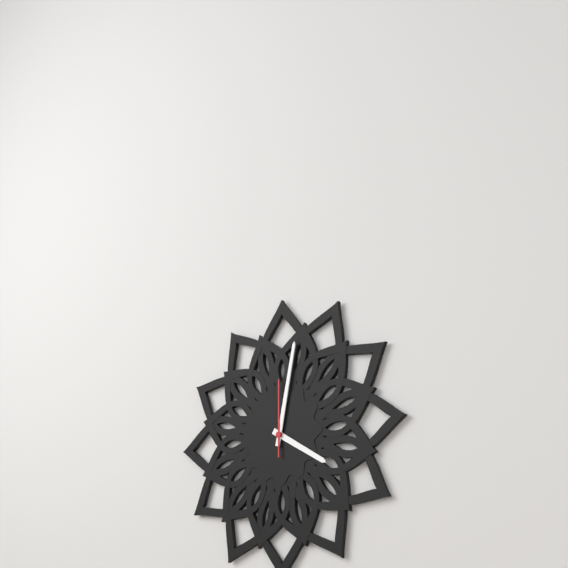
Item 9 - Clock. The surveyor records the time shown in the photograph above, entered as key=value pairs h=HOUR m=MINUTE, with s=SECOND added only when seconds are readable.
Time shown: h=4 m=2 s=0
